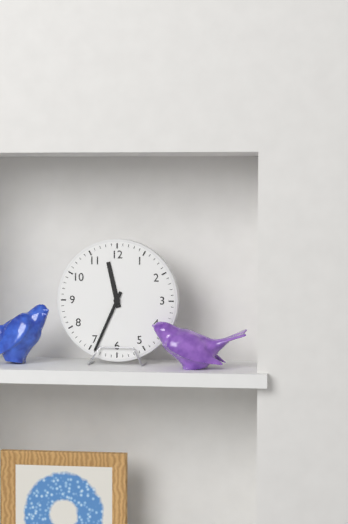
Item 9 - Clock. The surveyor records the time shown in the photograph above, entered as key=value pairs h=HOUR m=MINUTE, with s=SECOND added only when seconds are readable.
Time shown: h=11 m=34
